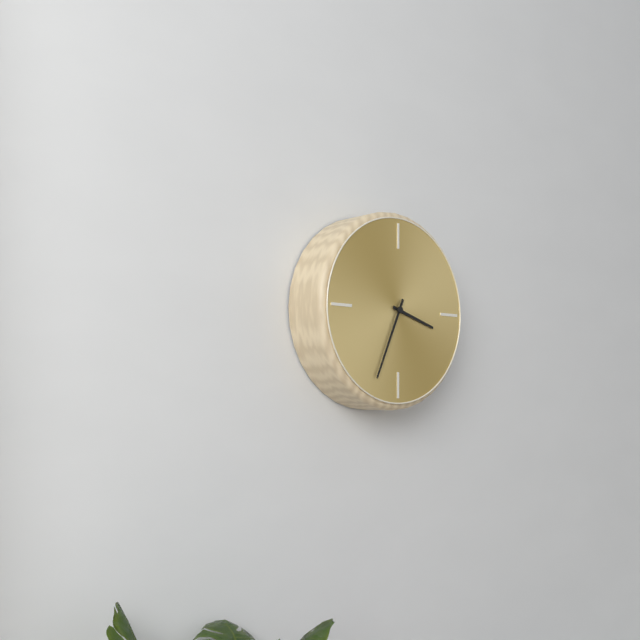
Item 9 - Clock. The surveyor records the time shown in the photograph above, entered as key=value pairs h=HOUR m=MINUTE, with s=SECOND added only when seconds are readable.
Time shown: h=3 m=34
